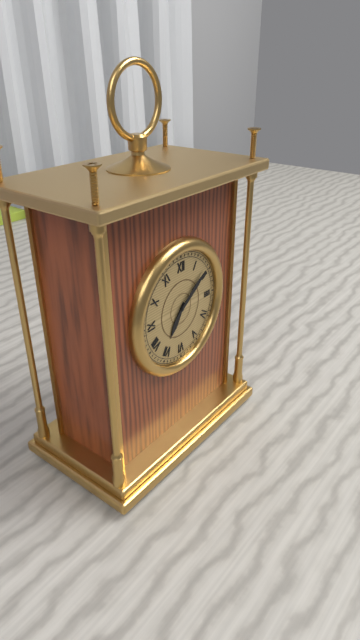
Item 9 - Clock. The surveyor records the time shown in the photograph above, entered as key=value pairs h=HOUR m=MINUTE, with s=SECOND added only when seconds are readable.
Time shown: h=7 m=9
